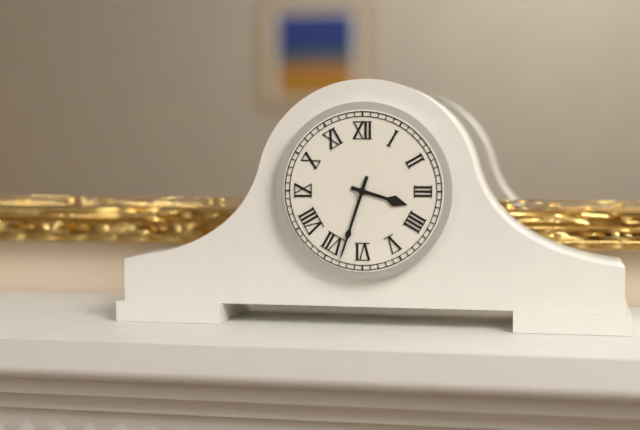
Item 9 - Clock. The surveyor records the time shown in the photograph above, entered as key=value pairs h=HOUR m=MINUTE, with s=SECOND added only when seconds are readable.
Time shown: h=3 m=33
